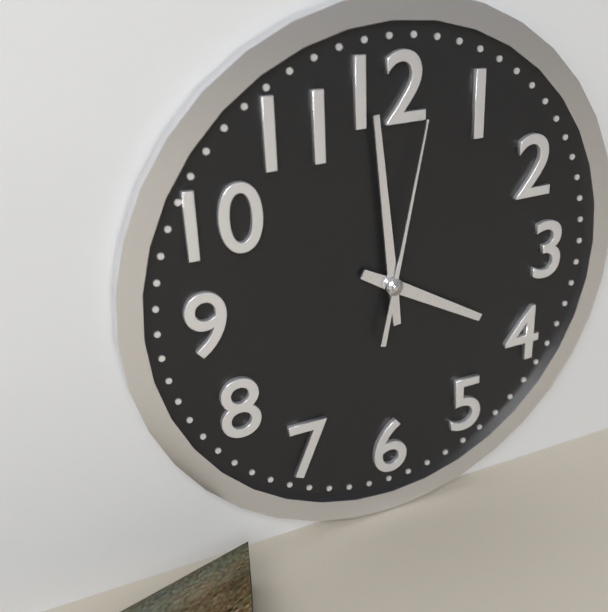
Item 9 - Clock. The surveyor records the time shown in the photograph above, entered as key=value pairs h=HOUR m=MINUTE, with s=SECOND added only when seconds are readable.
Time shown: h=3 m=59 s=2
